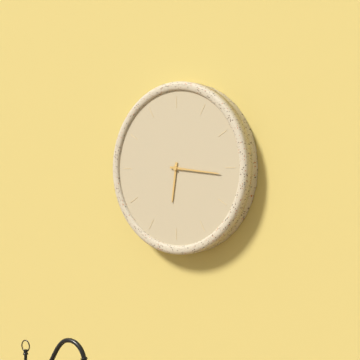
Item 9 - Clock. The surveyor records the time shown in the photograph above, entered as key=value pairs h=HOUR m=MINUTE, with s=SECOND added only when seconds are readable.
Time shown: h=6 m=16
